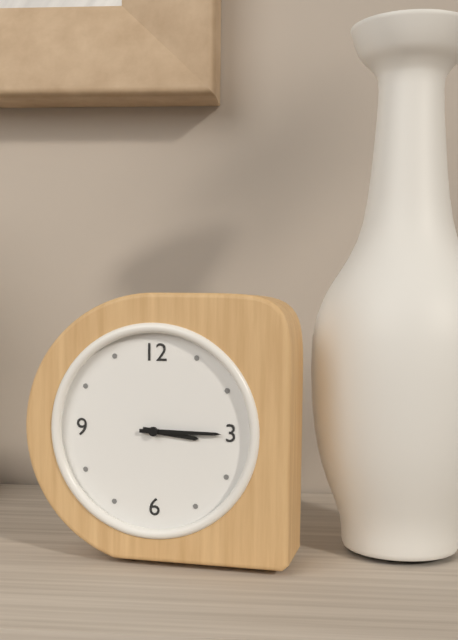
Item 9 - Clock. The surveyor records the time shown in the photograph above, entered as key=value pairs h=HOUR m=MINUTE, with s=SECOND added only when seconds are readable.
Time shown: h=3 m=15
